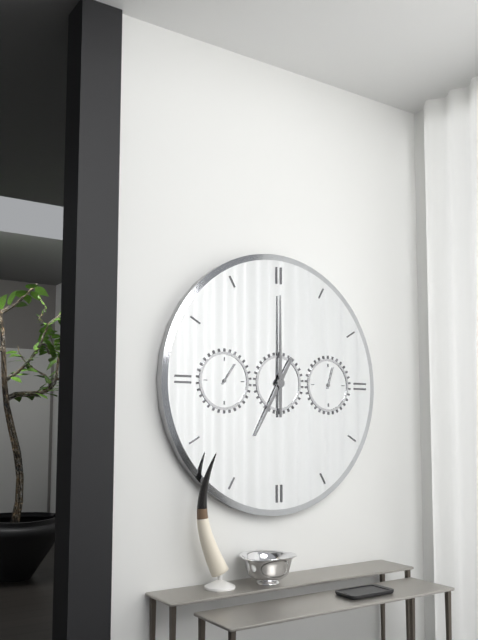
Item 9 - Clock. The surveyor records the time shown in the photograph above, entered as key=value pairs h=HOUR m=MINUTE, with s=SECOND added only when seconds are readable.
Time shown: h=7 m=0
